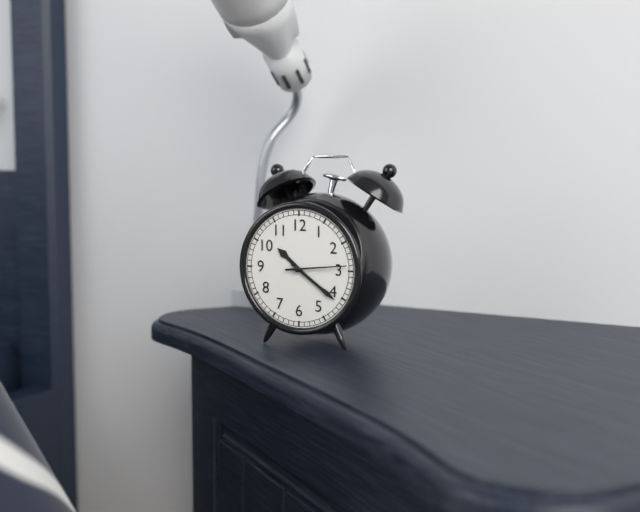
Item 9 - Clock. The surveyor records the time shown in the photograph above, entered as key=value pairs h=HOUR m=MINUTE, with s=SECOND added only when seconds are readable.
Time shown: h=10 m=21 s=14
